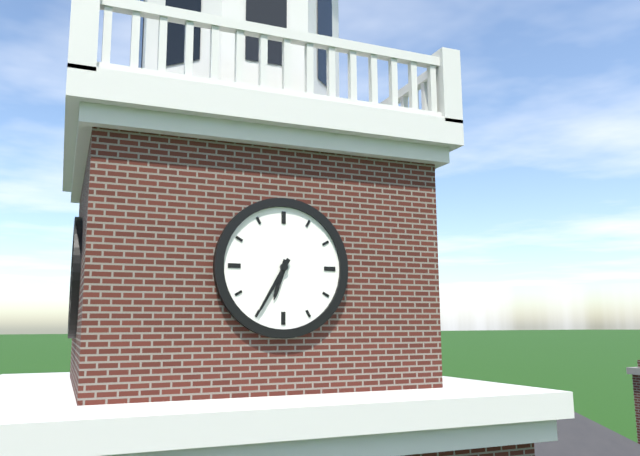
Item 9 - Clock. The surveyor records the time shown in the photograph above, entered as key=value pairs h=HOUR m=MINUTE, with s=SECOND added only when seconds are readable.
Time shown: h=6 m=35
